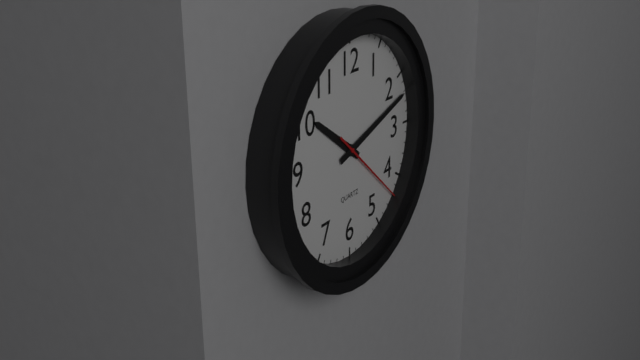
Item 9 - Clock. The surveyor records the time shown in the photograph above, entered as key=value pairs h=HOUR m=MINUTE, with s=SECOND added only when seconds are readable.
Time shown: h=10 m=12 s=22
